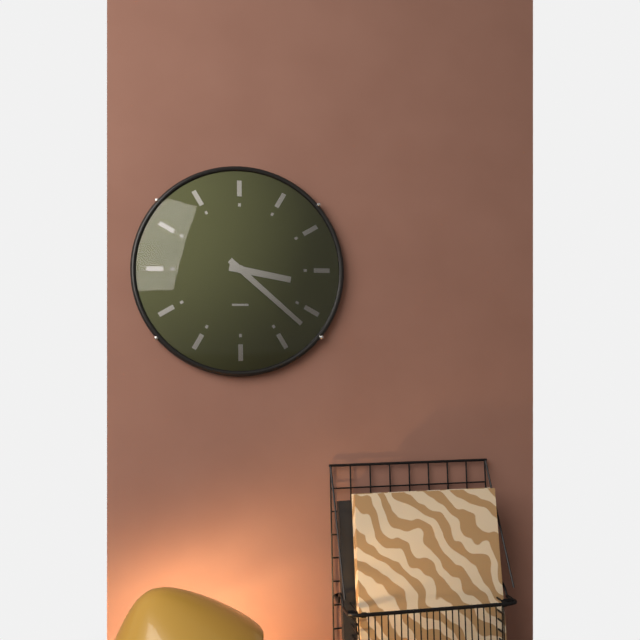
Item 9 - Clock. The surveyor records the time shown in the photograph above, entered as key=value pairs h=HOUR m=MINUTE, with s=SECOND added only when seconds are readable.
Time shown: h=3 m=22
